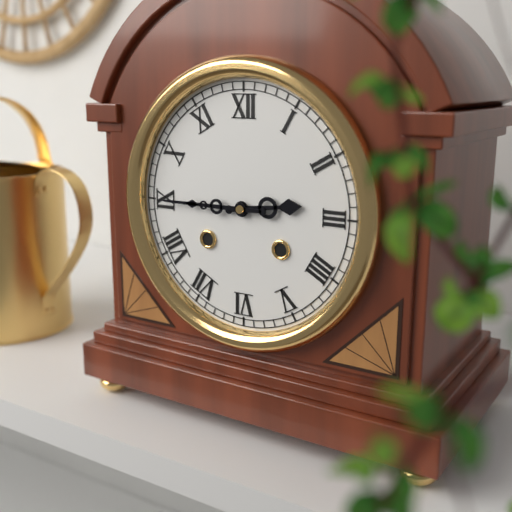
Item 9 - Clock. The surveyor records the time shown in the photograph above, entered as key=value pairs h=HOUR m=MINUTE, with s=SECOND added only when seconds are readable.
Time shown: h=2 m=45
